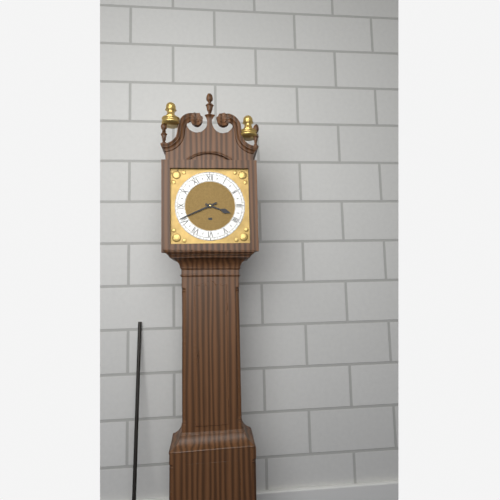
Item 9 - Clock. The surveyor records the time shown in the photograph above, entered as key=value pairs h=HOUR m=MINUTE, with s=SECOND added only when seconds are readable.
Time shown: h=3 m=41
